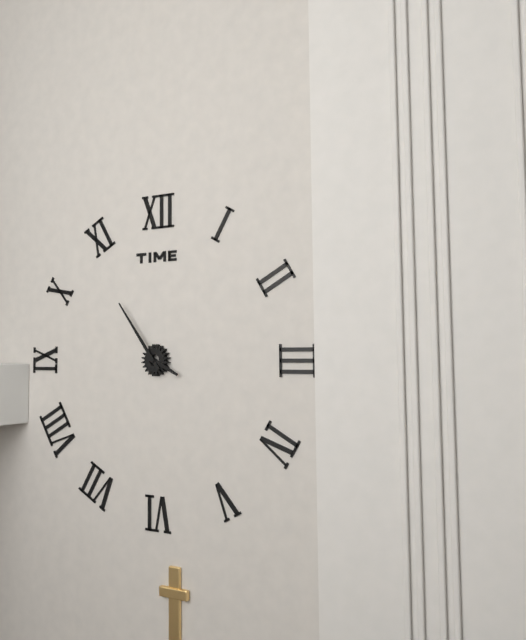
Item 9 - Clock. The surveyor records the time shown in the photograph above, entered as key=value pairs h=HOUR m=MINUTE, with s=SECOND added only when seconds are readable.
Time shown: h=3 m=54
